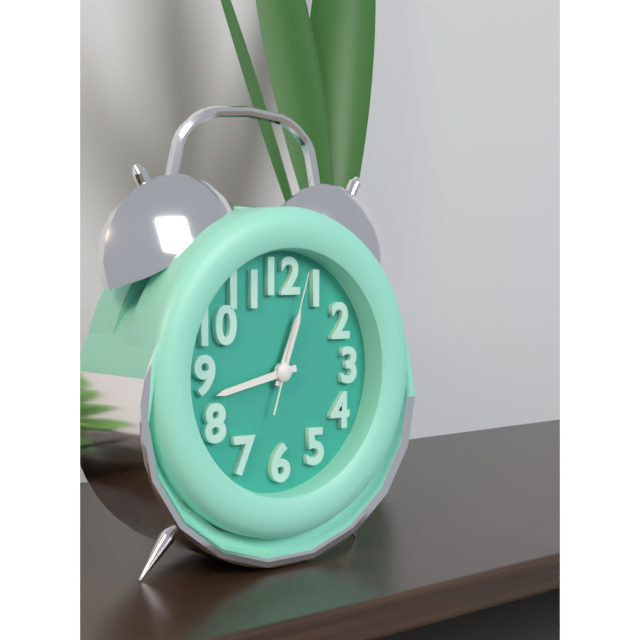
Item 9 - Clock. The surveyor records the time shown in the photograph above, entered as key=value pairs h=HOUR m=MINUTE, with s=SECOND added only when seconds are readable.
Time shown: h=12 m=43 s=3
